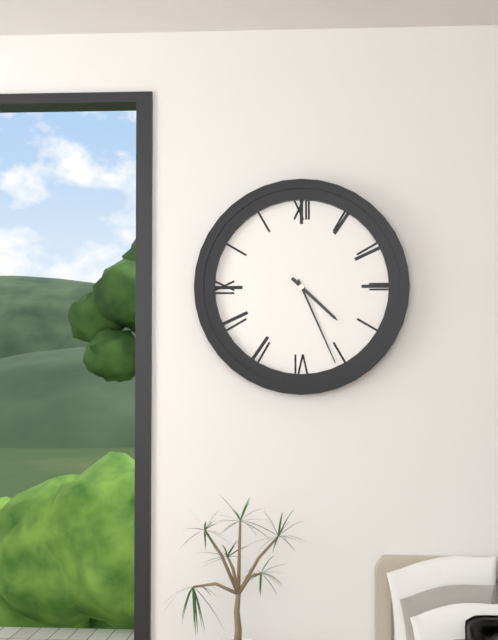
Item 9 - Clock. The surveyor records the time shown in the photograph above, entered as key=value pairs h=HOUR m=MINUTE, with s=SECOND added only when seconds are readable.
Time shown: h=4 m=26
